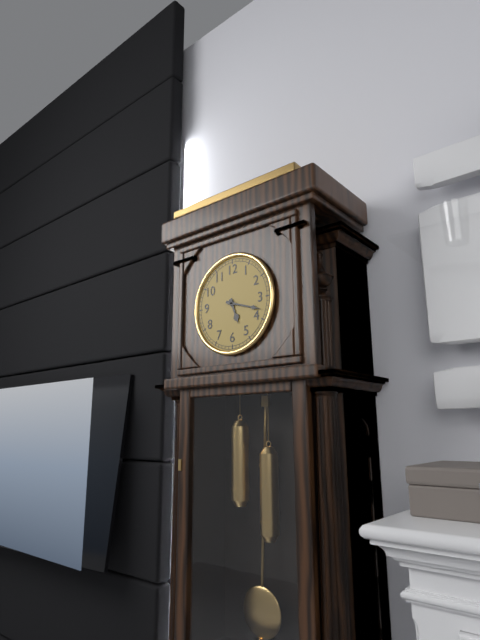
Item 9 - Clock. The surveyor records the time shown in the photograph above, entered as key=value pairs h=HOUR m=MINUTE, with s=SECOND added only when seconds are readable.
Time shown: h=5 m=18
